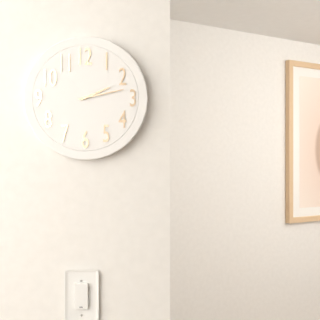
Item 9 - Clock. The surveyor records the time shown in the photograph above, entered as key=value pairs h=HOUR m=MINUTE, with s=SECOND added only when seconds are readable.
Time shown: h=2 m=13
